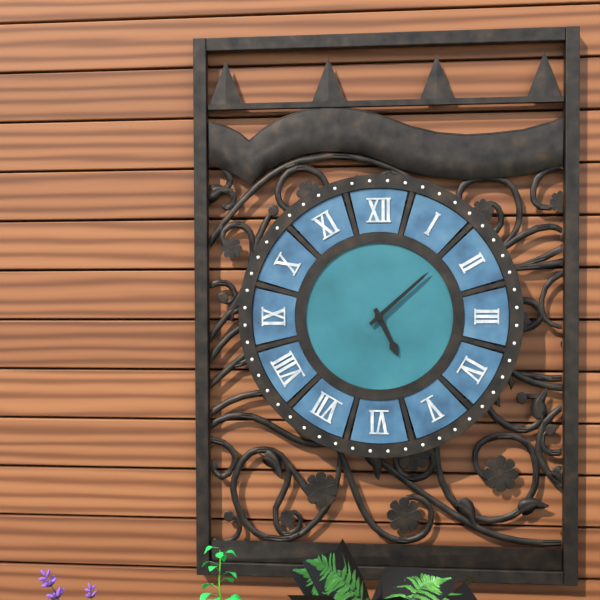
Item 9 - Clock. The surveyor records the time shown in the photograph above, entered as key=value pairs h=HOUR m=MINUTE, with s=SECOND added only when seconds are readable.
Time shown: h=5 m=8
